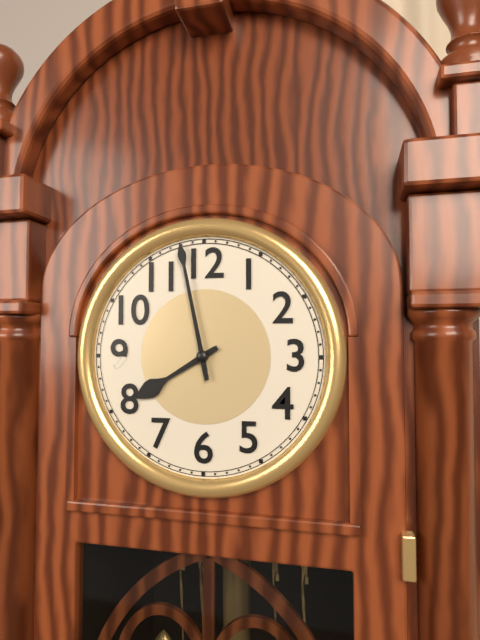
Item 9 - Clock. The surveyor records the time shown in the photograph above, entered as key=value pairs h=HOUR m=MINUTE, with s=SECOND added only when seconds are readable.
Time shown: h=7 m=58
